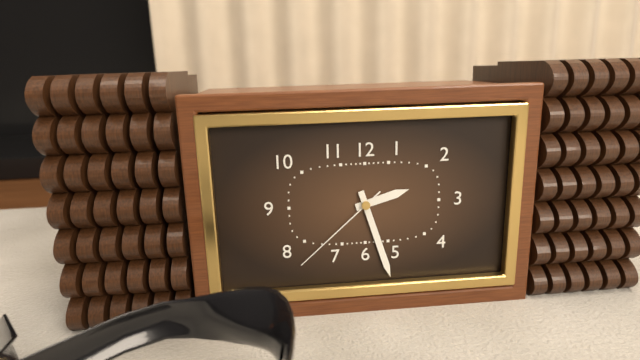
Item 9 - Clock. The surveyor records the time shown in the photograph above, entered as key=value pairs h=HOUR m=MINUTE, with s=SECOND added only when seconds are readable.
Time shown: h=2 m=27 s=38
